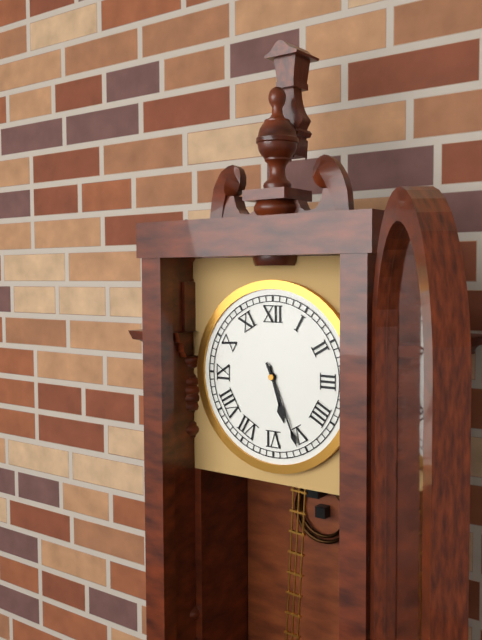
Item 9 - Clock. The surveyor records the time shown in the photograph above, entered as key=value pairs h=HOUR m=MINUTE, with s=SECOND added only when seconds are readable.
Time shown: h=5 m=26
